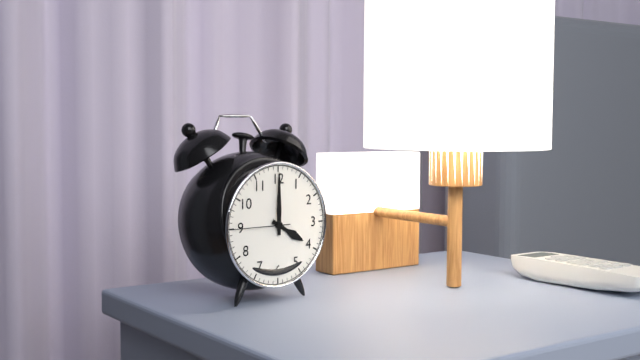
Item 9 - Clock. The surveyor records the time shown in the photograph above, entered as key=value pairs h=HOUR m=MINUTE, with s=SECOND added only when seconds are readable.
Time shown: h=4 m=0 s=45
